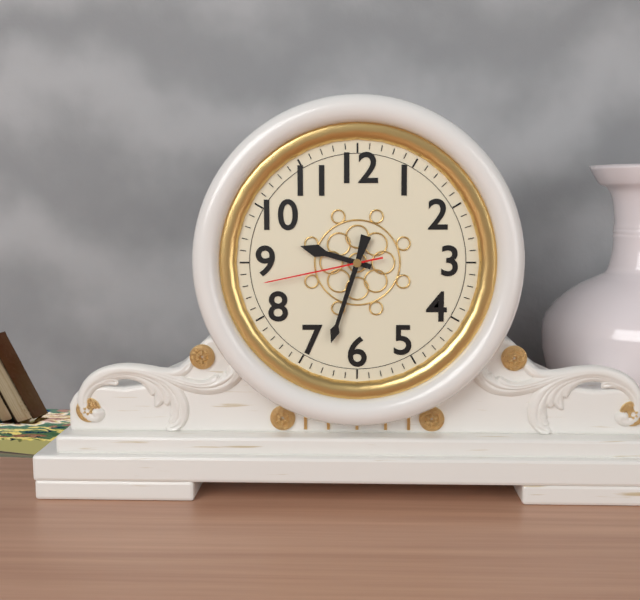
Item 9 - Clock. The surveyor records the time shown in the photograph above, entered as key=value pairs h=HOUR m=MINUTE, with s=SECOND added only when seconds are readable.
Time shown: h=9 m=33 s=43
